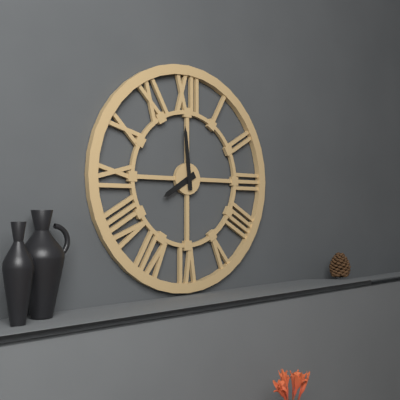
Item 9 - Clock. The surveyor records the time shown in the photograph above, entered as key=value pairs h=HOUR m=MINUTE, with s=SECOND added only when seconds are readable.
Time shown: h=7 m=59
